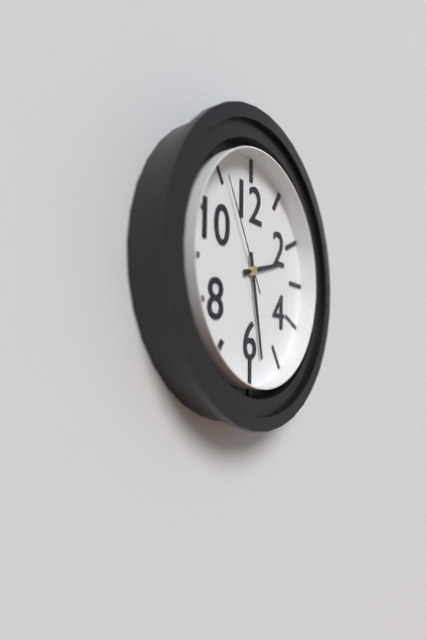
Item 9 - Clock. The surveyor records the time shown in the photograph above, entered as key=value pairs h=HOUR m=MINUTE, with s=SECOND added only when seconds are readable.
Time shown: h=2 m=28 s=55
